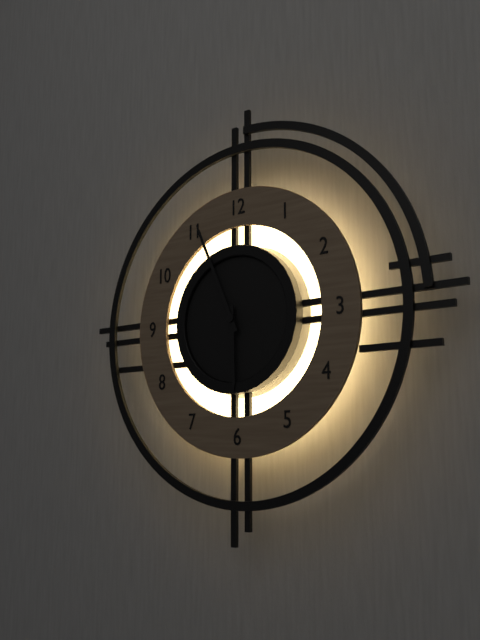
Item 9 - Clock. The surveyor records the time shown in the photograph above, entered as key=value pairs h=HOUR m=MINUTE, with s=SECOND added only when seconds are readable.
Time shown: h=5 m=56
